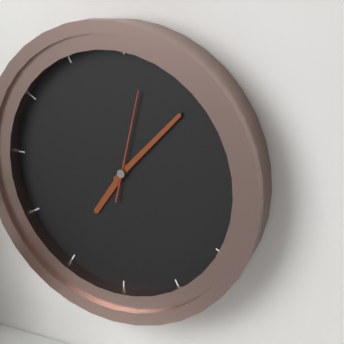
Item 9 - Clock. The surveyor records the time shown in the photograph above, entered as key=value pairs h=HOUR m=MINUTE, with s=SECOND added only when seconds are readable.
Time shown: h=7 m=7 s=2
